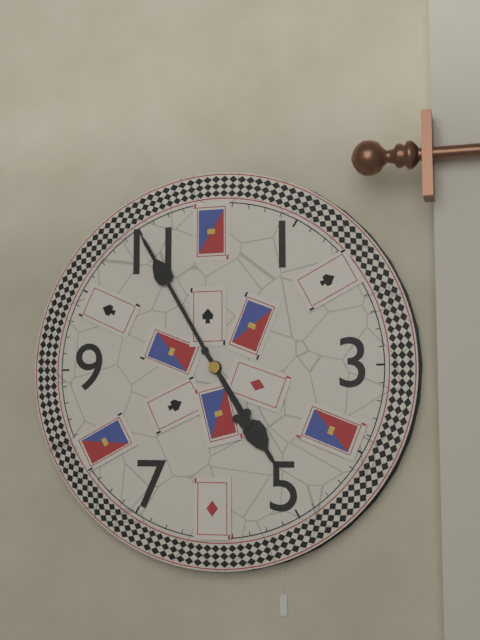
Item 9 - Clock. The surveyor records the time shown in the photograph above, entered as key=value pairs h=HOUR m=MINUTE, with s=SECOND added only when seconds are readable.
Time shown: h=4 m=55
